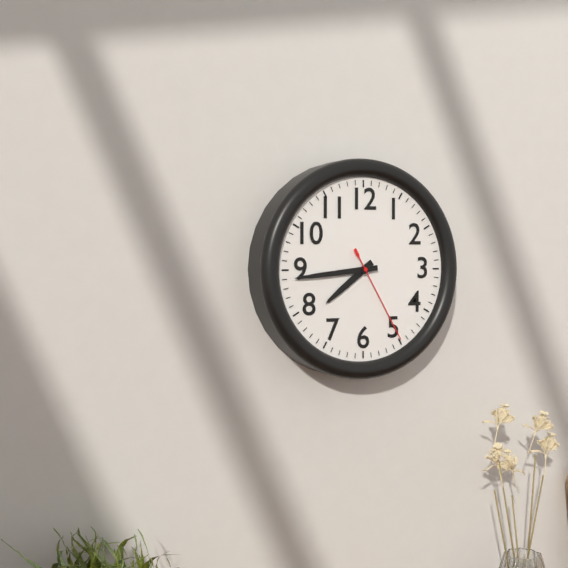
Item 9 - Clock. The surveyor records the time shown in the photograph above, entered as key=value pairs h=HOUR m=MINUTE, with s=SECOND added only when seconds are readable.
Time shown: h=7 m=44 s=25
